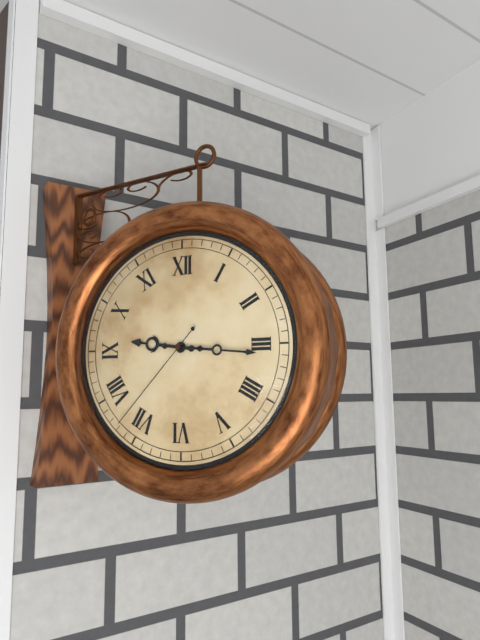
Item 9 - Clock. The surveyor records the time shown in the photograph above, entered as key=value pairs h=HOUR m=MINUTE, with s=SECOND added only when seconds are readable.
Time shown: h=9 m=16 s=37
